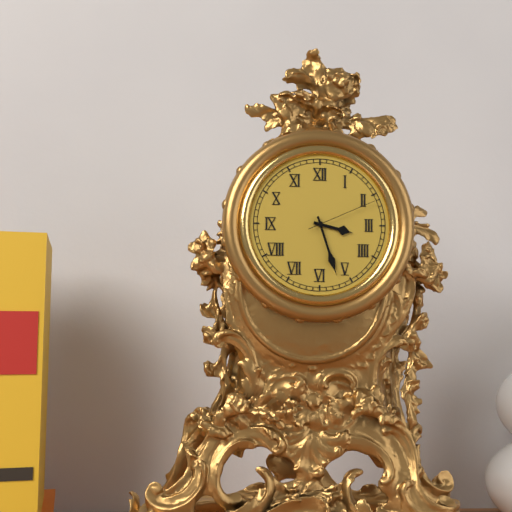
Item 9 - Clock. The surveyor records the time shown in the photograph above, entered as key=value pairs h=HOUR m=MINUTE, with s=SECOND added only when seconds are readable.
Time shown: h=3 m=27 s=11
